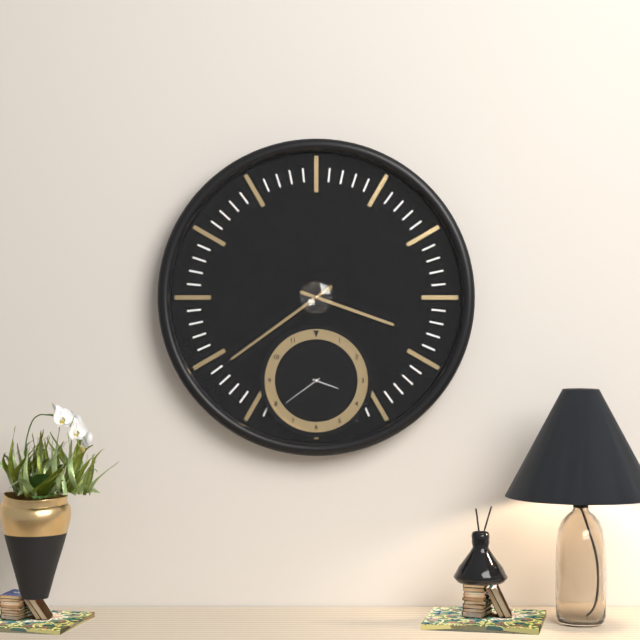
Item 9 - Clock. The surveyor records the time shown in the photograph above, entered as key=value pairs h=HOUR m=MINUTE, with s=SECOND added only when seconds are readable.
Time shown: h=3 m=39
